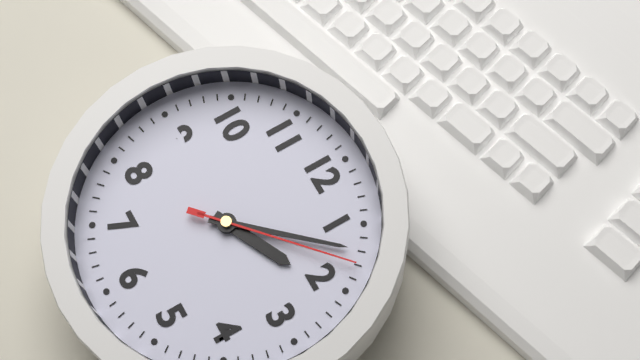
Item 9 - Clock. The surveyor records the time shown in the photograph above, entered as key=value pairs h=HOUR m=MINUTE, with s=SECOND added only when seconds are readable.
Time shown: h=2 m=7 s=8
